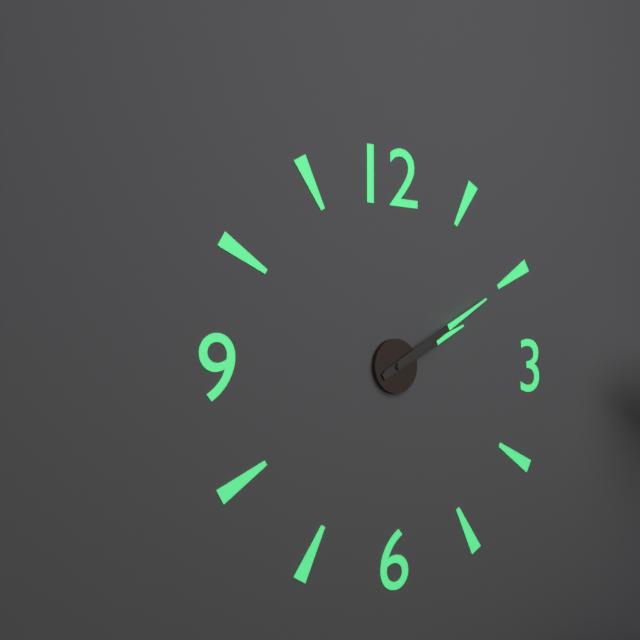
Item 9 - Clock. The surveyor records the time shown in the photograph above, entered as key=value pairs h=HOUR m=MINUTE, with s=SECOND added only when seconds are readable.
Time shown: h=2 m=10
